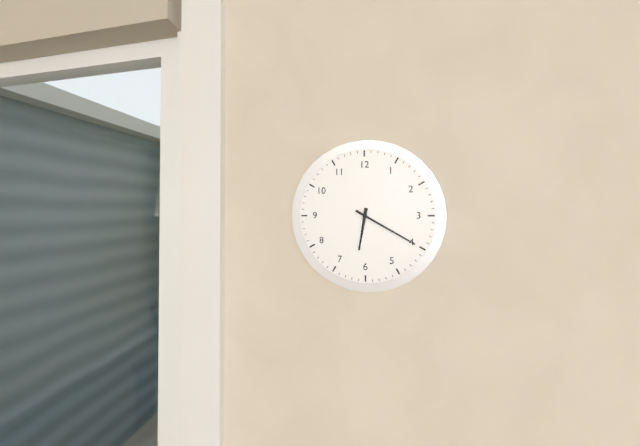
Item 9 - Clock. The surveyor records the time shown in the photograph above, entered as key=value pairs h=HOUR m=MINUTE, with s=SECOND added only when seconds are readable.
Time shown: h=6 m=20
